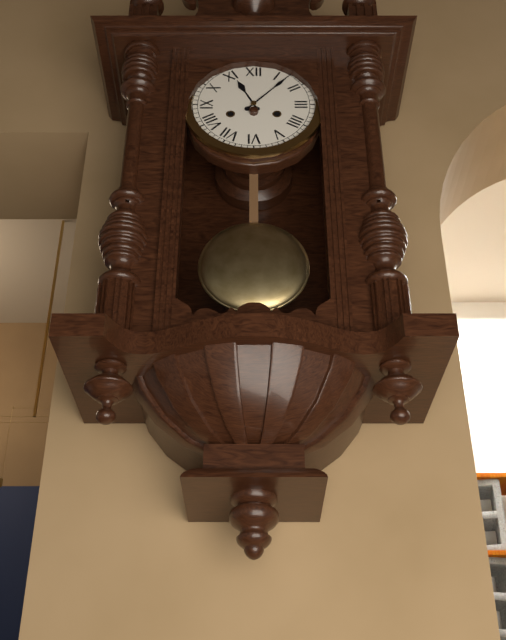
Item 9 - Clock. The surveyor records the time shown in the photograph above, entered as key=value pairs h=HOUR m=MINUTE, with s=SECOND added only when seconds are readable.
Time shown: h=11 m=7
